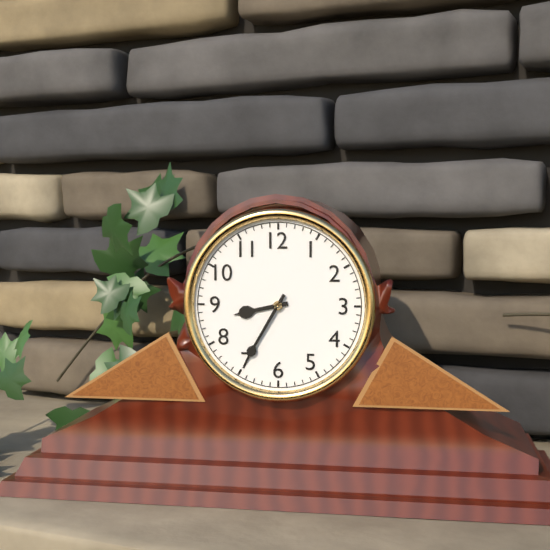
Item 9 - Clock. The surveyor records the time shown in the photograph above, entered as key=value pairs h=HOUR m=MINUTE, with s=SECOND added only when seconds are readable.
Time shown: h=8 m=35
